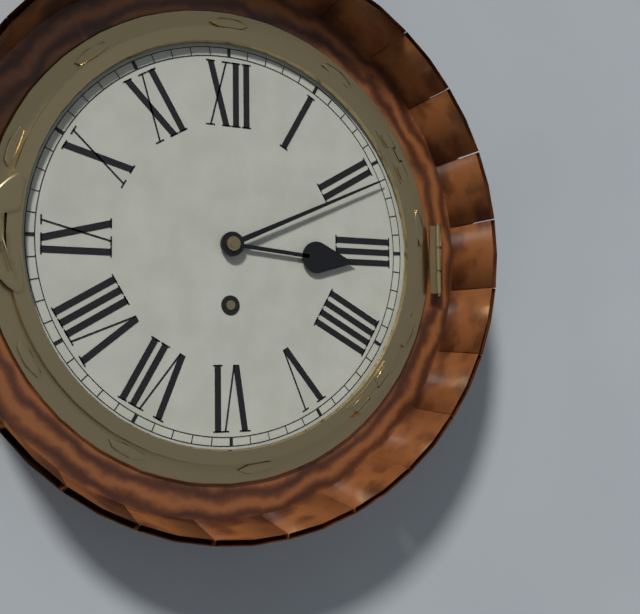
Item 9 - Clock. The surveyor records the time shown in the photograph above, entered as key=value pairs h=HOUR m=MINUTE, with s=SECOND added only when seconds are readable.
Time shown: h=3 m=11
